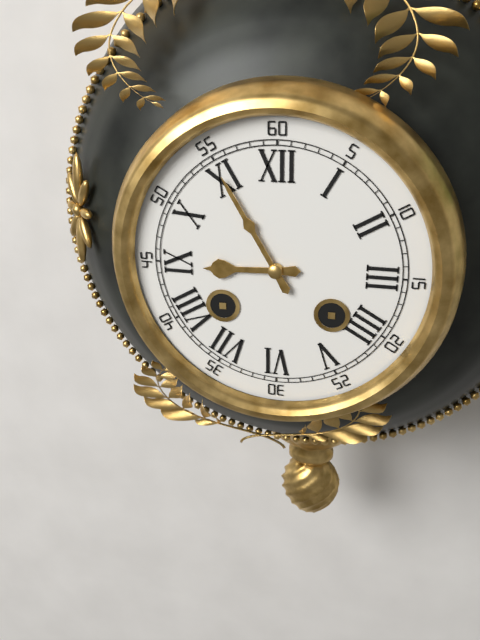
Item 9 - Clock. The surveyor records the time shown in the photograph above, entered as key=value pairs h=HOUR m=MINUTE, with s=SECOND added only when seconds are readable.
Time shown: h=8 m=55
